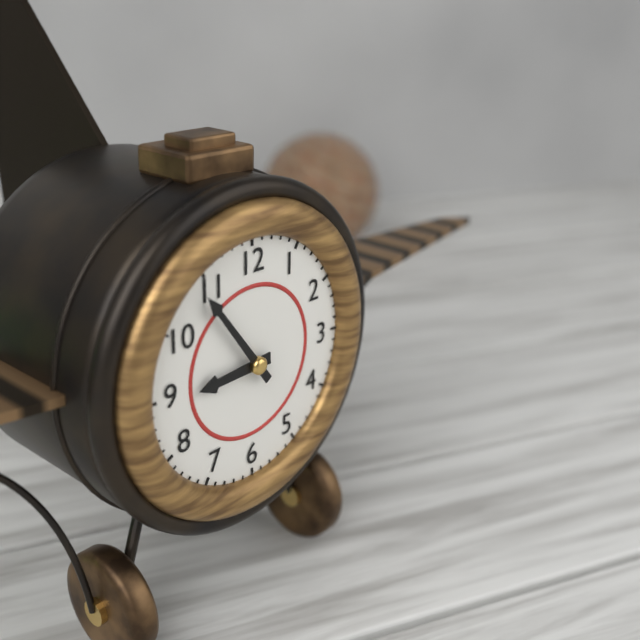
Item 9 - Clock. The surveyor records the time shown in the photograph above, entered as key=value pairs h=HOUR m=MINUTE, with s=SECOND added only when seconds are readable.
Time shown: h=8 m=54
